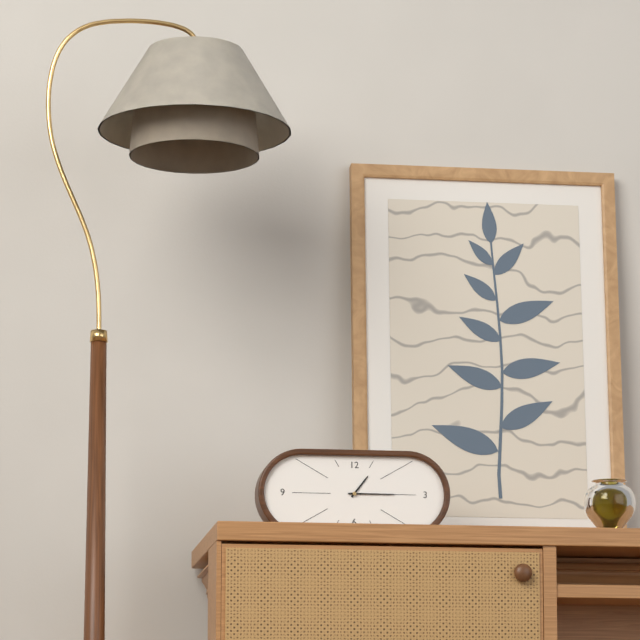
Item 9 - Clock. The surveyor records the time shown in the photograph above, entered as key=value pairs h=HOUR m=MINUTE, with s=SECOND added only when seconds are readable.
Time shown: h=1 m=15
